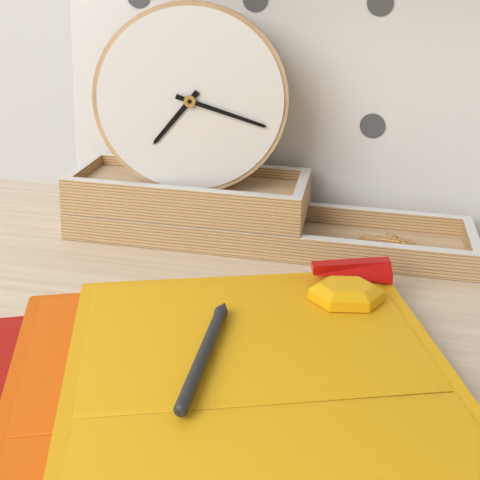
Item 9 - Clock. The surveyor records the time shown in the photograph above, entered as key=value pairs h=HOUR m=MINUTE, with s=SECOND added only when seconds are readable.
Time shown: h=7 m=18
